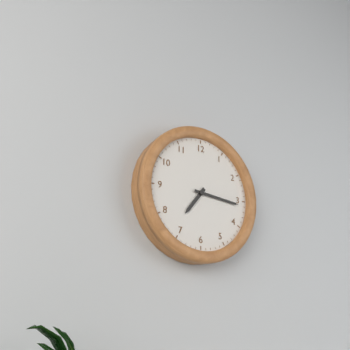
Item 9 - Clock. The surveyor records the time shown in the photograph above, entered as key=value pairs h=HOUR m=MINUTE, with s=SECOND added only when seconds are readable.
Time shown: h=7 m=16
